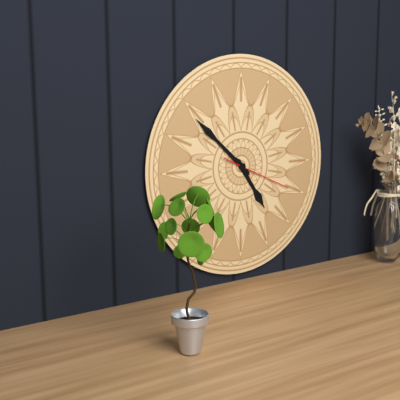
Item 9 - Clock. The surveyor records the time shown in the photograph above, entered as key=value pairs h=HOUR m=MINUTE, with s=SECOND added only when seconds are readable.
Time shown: h=4 m=52 s=19
